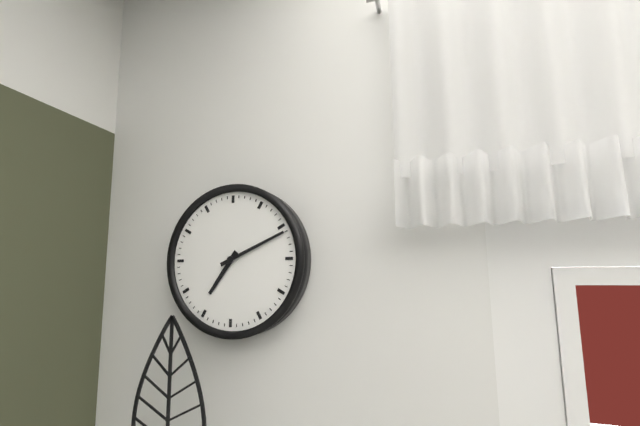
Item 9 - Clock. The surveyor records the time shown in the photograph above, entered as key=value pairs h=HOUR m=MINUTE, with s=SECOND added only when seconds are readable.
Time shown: h=7 m=11
